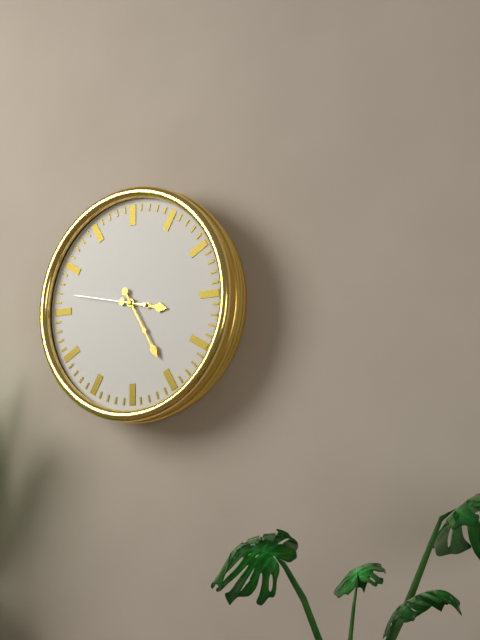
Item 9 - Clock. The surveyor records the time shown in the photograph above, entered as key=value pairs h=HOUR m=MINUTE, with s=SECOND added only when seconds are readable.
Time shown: h=3 m=25 s=47
